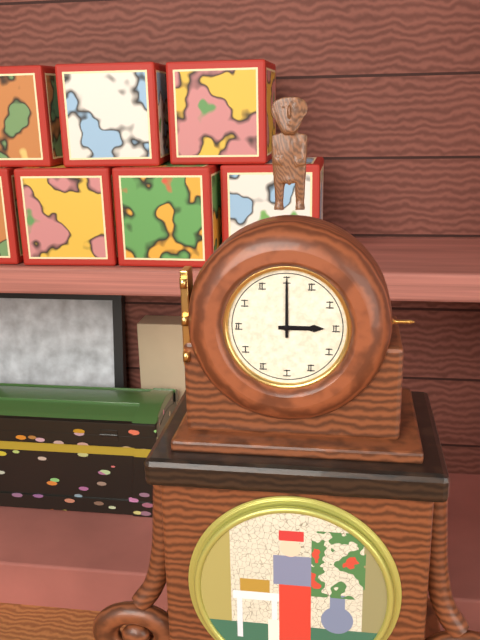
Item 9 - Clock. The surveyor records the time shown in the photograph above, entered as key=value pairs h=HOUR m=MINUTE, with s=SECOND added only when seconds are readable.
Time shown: h=3 m=0
